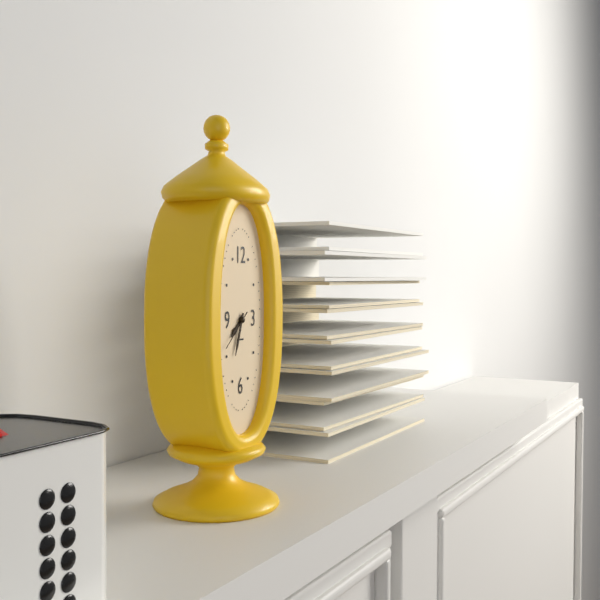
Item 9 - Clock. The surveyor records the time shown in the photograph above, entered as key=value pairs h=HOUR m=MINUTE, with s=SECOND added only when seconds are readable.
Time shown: h=7 m=33
